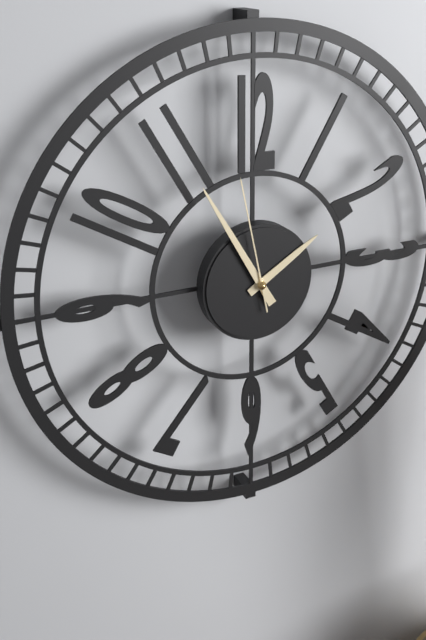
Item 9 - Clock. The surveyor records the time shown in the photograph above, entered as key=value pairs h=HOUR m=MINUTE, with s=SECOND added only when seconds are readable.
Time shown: h=1 m=55 s=58
